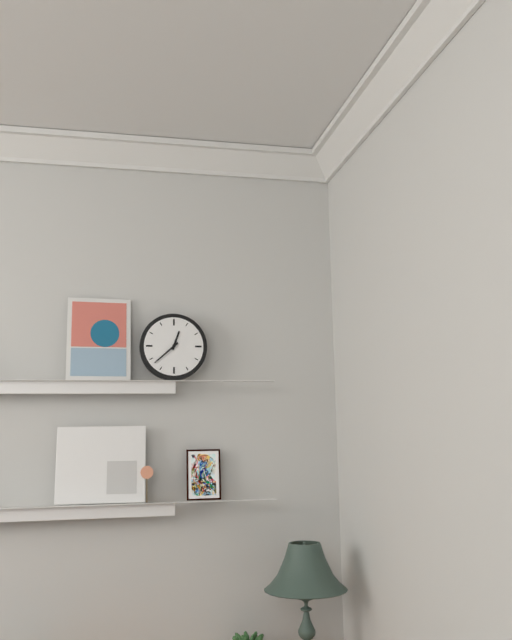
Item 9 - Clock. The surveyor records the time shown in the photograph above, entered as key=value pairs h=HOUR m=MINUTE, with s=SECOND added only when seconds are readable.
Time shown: h=12 m=38
